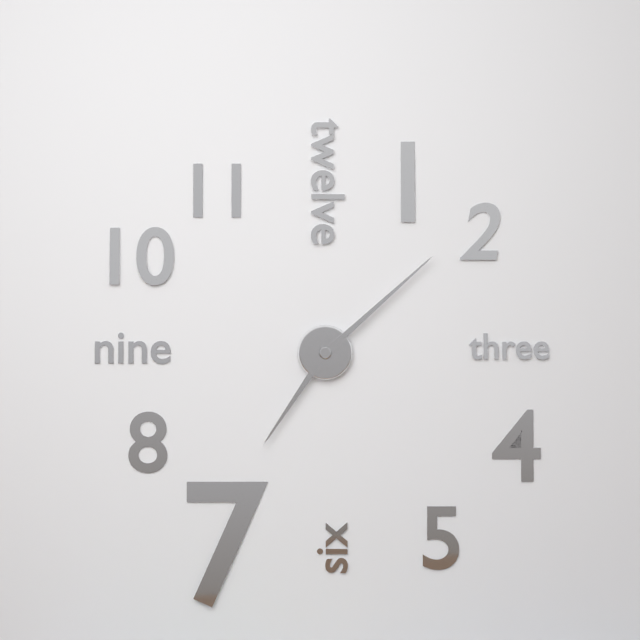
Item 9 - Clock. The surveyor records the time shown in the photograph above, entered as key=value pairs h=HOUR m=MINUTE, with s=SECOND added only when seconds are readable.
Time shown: h=7 m=8
